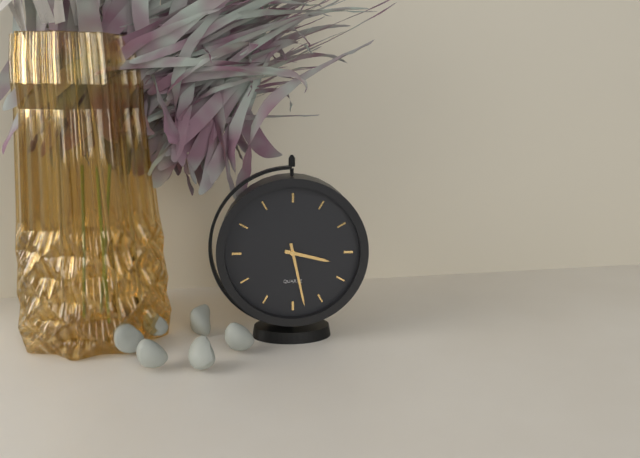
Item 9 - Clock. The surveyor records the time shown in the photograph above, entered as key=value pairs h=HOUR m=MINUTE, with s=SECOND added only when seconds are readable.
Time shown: h=3 m=28
